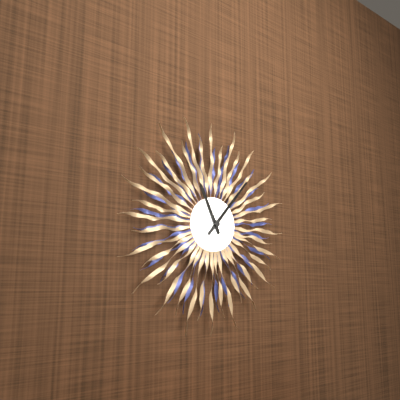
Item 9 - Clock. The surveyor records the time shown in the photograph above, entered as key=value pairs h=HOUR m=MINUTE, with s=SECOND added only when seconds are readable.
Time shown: h=11 m=7
